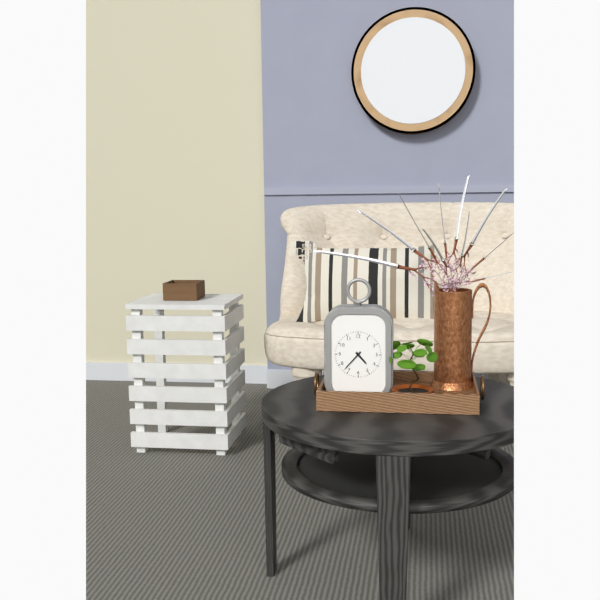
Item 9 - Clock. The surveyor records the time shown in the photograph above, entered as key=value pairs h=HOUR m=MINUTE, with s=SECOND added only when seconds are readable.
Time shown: h=4 m=37
